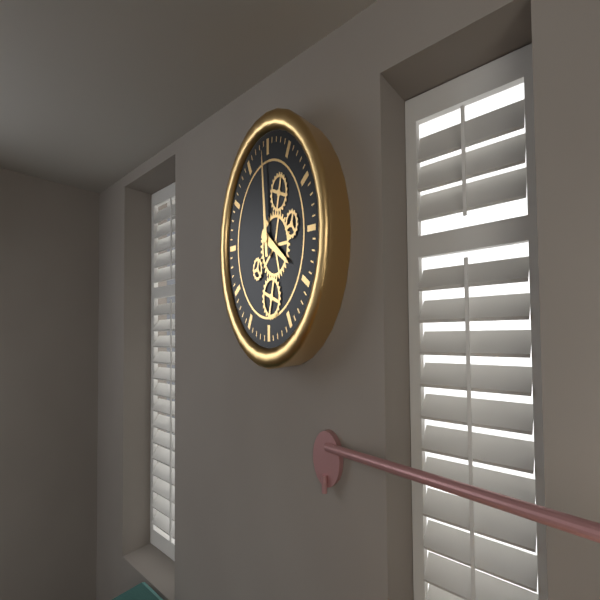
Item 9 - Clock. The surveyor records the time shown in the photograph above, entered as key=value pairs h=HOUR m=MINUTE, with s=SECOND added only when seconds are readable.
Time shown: h=3 m=59
